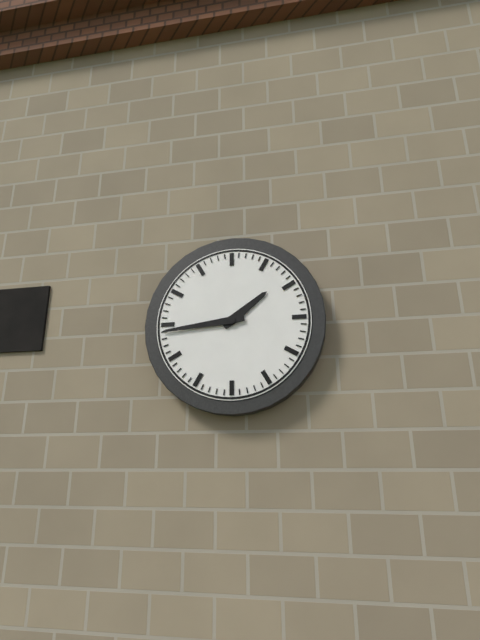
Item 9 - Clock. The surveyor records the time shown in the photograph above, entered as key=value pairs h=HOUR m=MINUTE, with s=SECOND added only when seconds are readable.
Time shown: h=1 m=44
